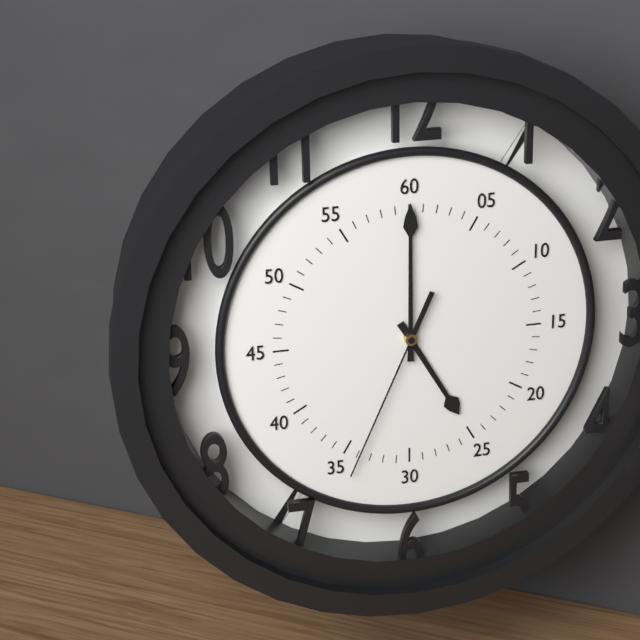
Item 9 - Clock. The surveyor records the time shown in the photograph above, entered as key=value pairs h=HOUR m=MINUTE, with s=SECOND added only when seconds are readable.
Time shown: h=5 m=0 s=34
